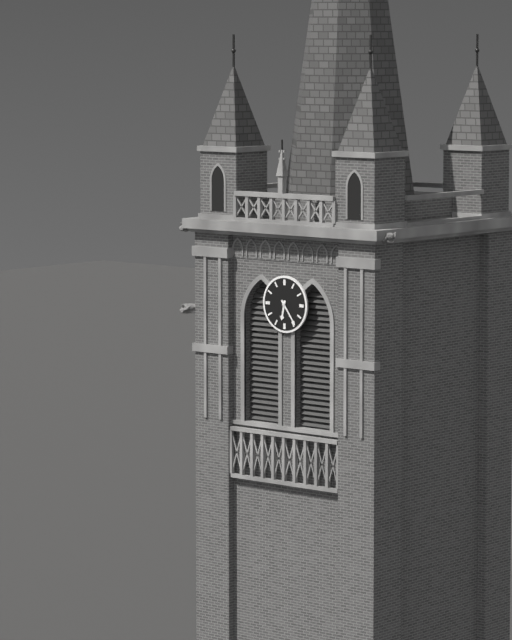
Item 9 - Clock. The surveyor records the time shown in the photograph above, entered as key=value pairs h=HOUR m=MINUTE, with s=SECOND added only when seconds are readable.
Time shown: h=6 m=24
